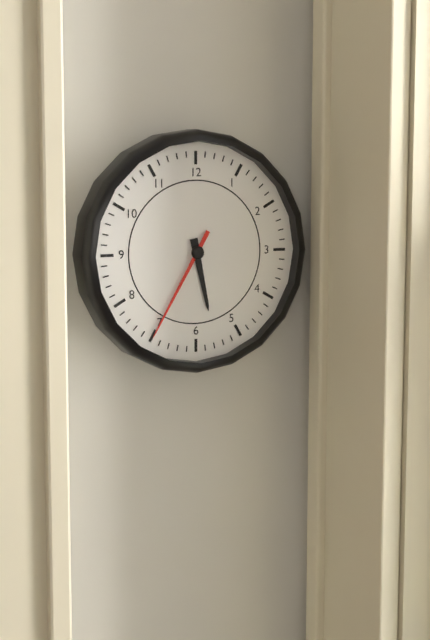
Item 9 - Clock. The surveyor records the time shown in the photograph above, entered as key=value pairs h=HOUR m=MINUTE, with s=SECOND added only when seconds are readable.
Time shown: h=5 m=35
